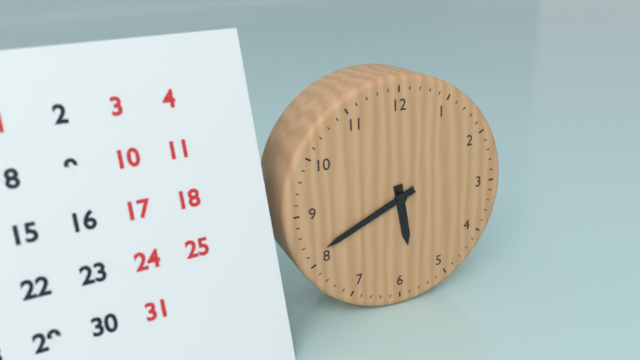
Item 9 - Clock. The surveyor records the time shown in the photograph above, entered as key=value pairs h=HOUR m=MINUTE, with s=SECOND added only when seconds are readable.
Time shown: h=5 m=41
